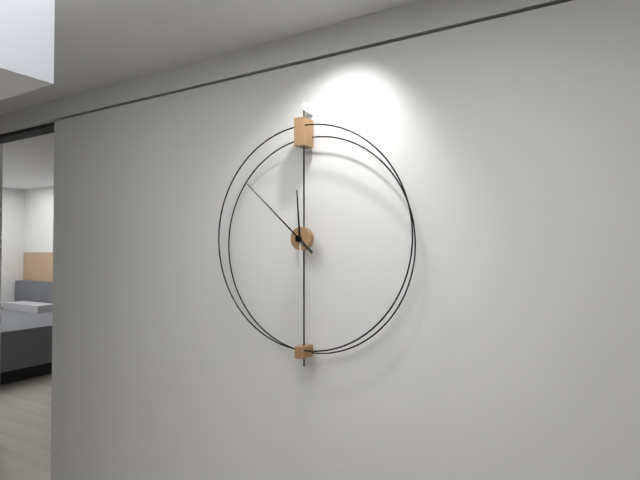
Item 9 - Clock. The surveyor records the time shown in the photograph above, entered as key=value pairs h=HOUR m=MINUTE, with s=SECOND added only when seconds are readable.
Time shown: h=11 m=52
